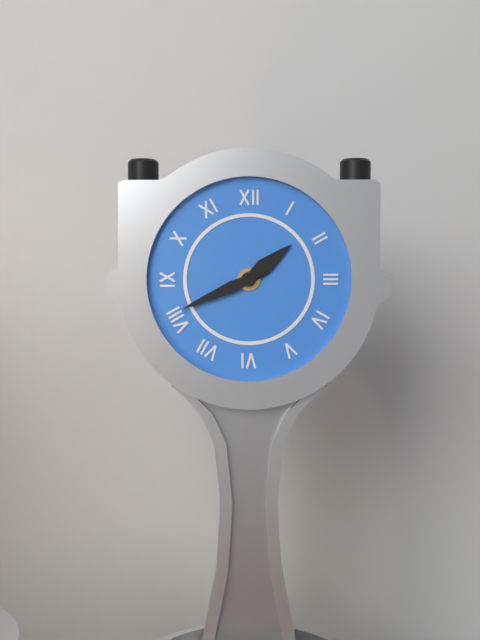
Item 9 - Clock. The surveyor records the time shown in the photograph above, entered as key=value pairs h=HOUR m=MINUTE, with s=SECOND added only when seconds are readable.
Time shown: h=1 m=41
